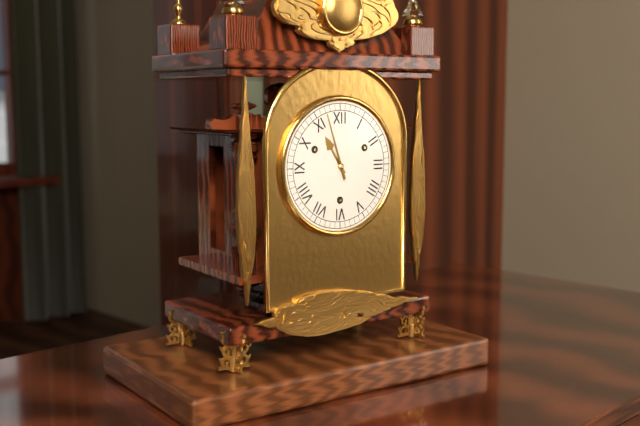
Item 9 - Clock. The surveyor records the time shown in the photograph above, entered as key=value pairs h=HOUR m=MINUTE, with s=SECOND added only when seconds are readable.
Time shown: h=10 m=57
